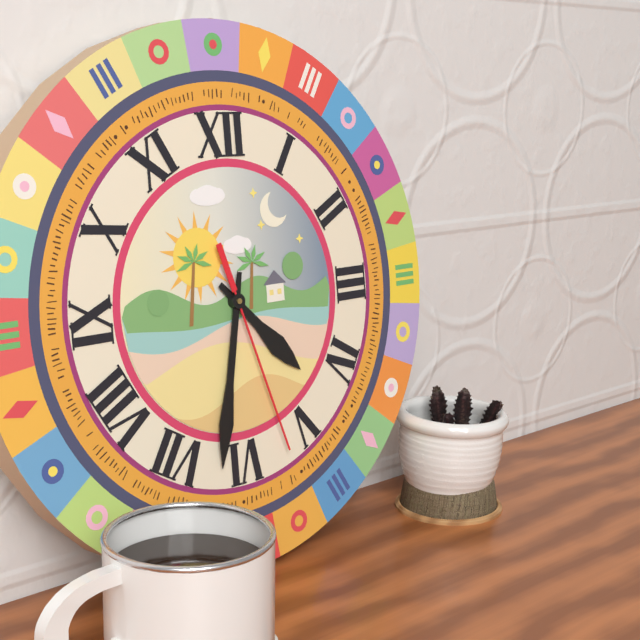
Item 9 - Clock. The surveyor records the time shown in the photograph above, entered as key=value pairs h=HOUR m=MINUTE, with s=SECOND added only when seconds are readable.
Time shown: h=4 m=32 s=27
